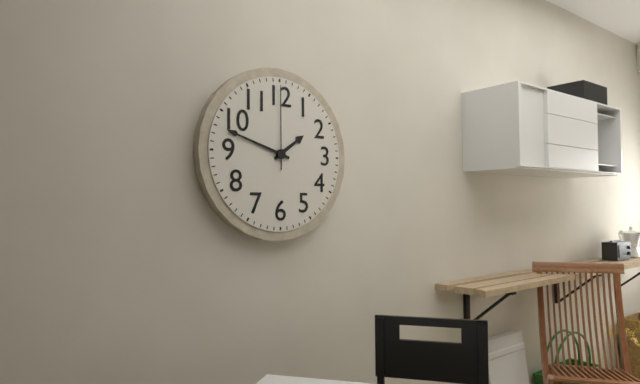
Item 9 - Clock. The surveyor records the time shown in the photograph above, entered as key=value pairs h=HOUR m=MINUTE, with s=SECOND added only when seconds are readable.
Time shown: h=1 m=48 s=0
